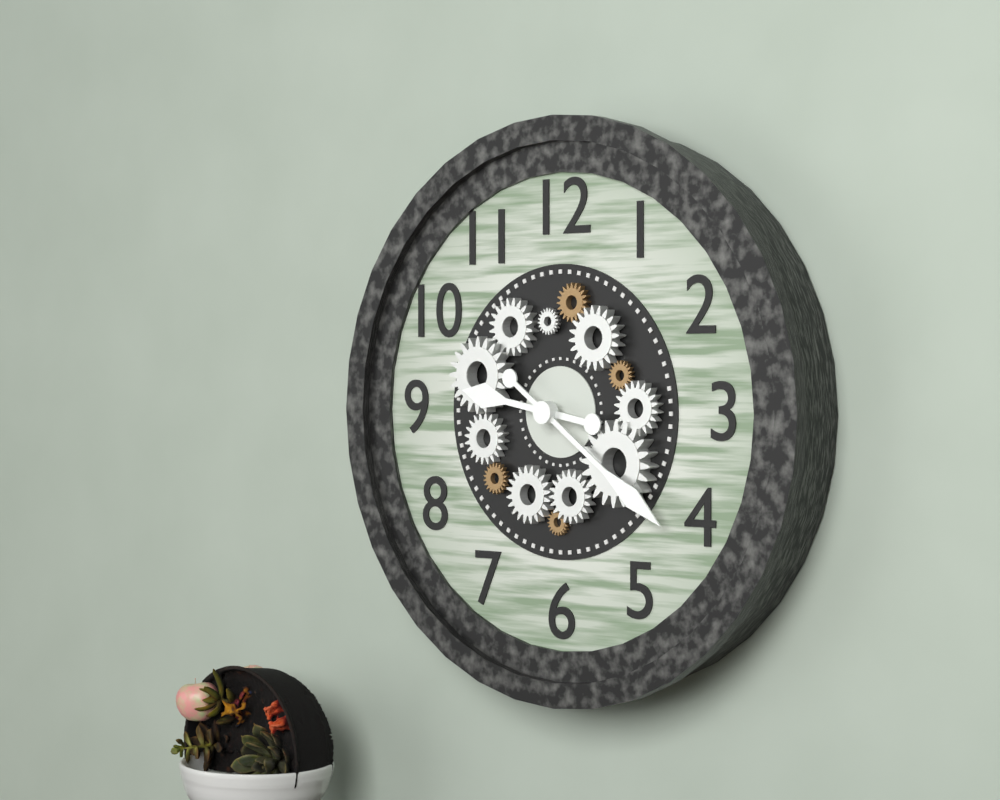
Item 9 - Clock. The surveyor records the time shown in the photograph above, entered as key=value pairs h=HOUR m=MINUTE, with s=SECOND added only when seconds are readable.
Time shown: h=9 m=21
